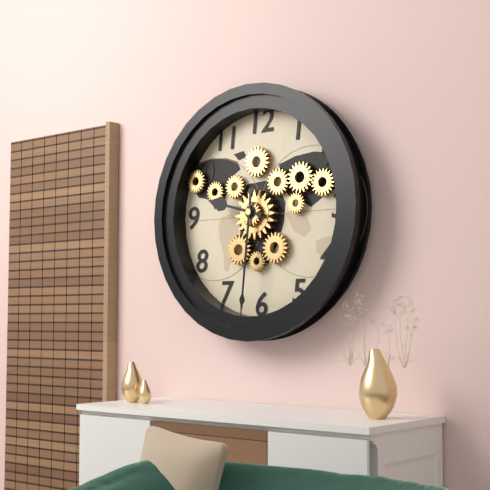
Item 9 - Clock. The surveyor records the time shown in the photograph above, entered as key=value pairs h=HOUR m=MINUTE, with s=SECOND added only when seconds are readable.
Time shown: h=9 m=31
